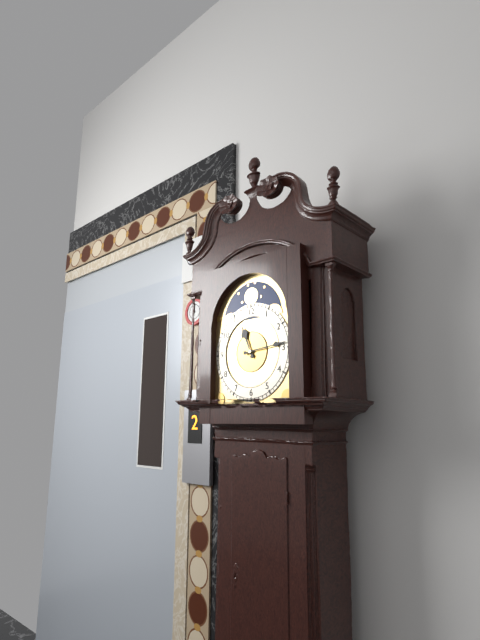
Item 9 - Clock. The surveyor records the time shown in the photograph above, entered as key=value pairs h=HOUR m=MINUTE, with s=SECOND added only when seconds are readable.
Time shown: h=11 m=14
